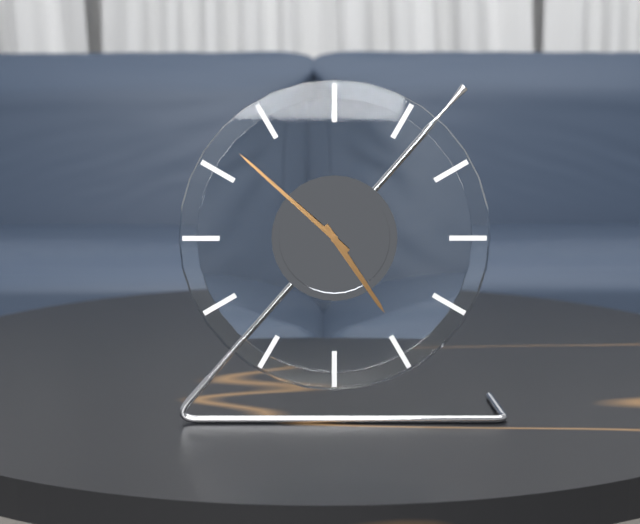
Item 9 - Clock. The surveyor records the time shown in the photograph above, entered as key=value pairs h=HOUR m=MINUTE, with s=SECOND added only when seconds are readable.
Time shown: h=4 m=52
